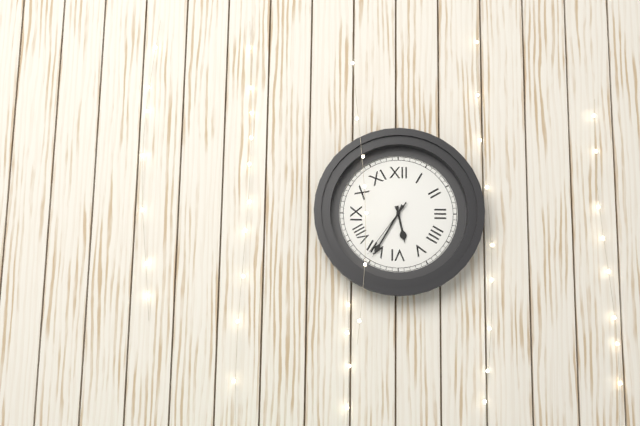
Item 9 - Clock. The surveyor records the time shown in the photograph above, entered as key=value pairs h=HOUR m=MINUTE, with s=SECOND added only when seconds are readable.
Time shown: h=5 m=35 s=36
